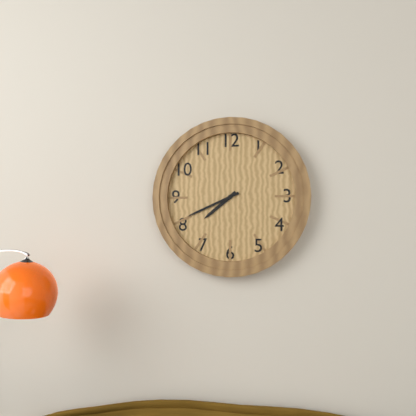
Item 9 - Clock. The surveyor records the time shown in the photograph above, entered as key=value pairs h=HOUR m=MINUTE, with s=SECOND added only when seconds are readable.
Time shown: h=7 m=41
